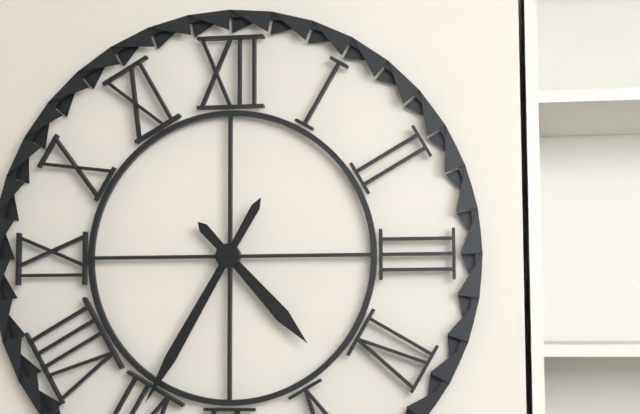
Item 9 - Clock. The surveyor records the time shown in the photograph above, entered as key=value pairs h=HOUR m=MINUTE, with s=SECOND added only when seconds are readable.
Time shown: h=4 m=35
